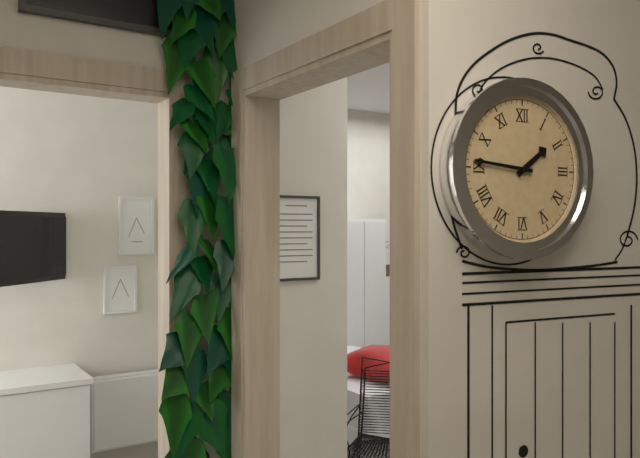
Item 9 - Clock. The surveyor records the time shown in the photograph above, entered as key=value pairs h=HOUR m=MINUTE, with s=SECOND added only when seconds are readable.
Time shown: h=1 m=46
